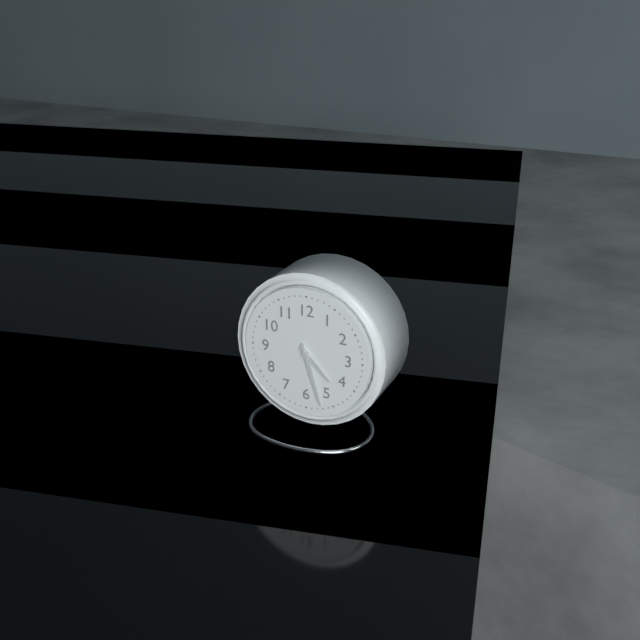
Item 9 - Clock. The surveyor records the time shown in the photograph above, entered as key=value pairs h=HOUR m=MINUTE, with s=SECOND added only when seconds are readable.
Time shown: h=4 m=27
